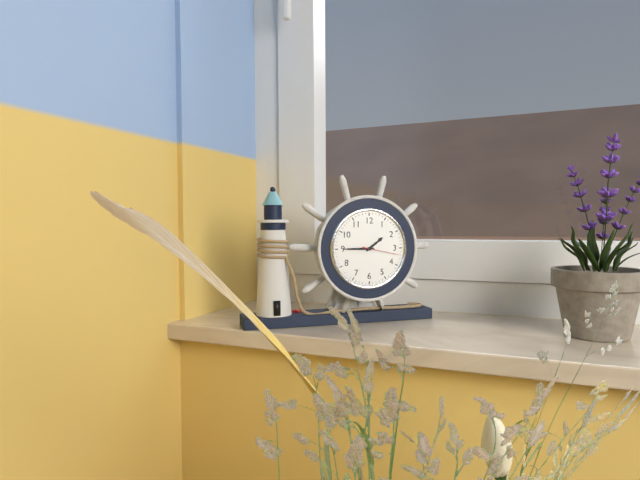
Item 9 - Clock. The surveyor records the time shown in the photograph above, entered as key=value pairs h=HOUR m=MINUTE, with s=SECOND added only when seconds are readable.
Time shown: h=1 m=45
